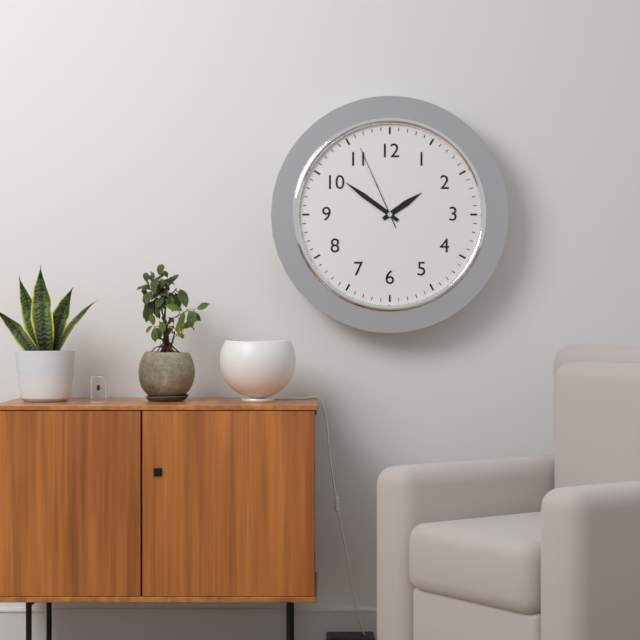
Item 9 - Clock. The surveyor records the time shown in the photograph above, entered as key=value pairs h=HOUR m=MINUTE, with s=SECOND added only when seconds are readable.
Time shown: h=1 m=51 s=56
